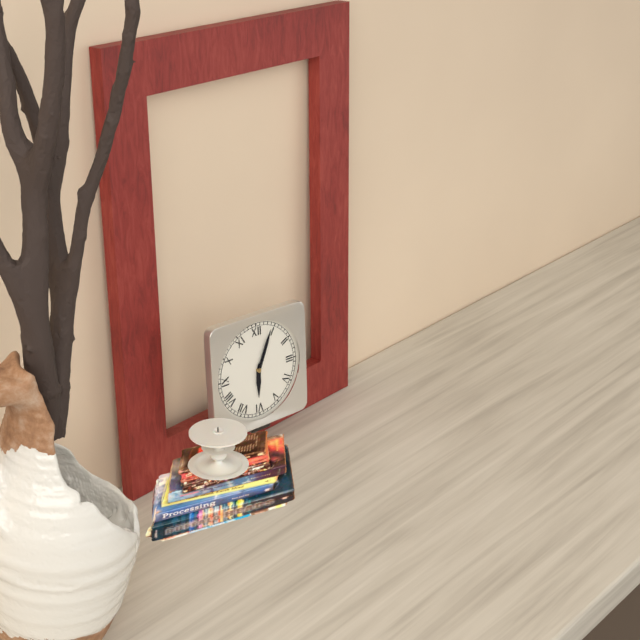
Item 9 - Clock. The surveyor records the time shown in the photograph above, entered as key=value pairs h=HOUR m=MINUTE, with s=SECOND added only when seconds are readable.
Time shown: h=6 m=4
